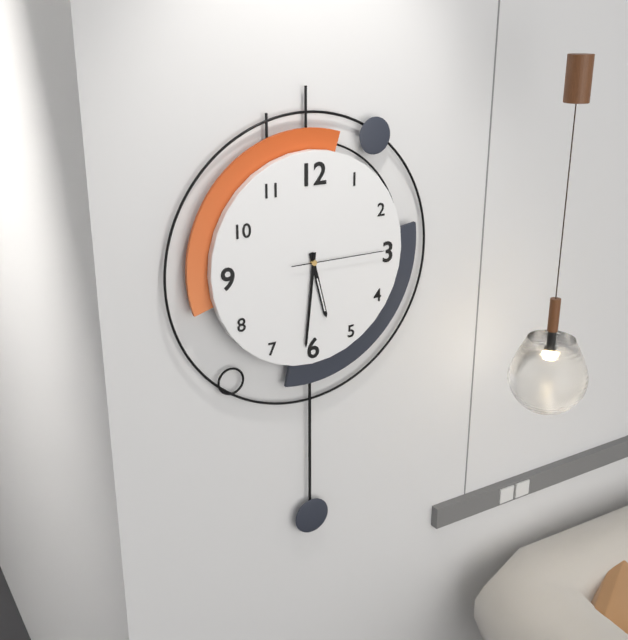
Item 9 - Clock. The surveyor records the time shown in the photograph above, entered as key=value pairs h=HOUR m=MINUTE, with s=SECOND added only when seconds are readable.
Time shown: h=5 m=31 s=15
